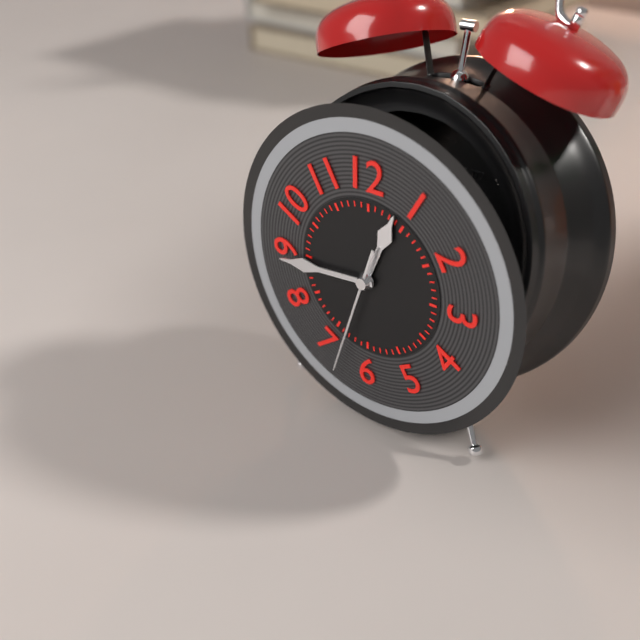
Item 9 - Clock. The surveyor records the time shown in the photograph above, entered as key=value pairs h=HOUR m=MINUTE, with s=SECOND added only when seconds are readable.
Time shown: h=12 m=44 s=33
